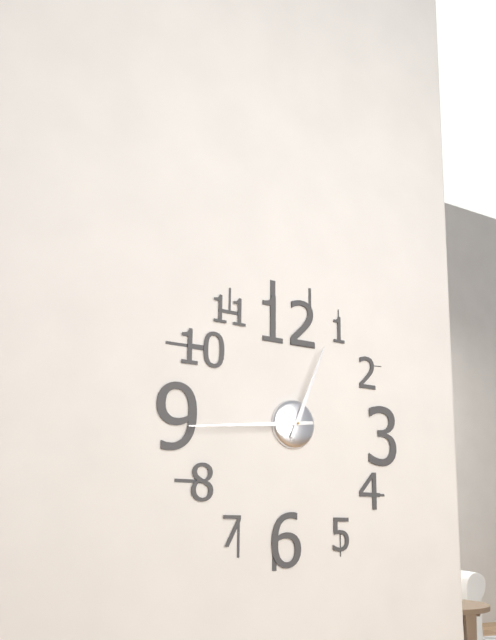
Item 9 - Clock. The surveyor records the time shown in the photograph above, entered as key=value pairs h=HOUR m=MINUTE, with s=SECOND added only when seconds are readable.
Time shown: h=12 m=44
